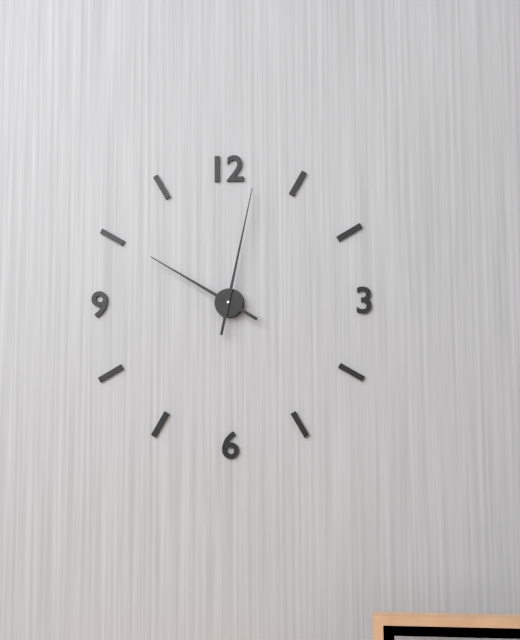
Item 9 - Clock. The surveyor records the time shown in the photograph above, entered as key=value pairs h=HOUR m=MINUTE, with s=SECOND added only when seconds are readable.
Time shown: h=10 m=2
